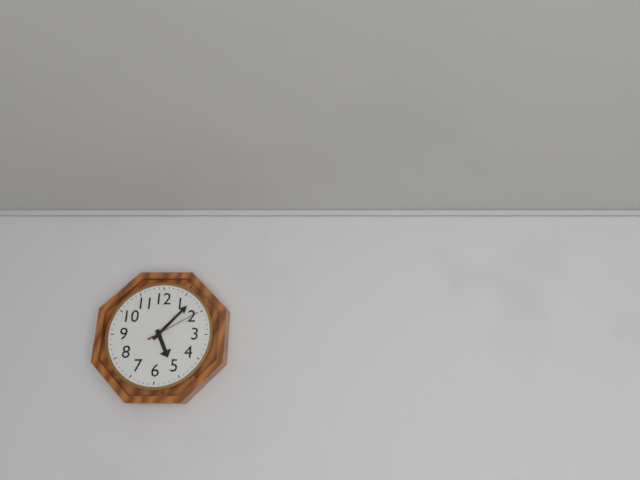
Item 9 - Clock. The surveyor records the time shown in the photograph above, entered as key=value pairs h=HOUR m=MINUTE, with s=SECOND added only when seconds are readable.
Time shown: h=5 m=7 s=10
